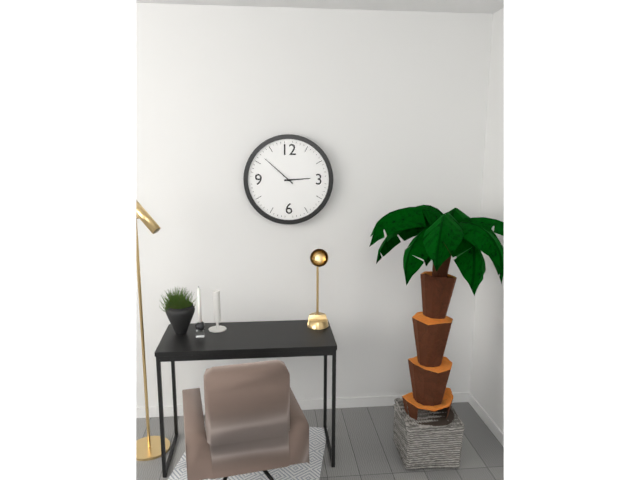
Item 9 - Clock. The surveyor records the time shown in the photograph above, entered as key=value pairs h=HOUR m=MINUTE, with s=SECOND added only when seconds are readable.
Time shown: h=2 m=52
